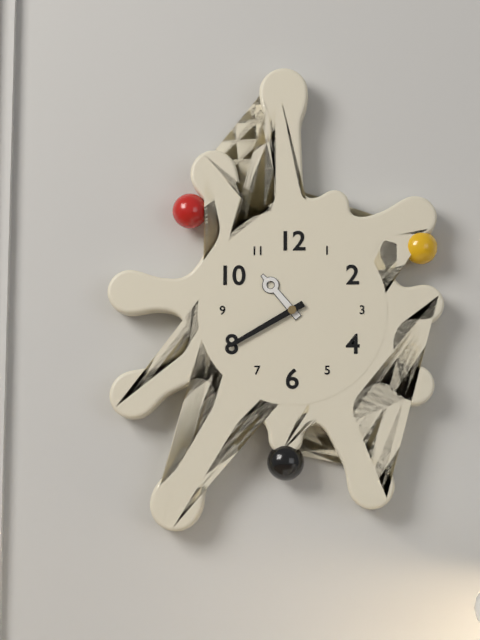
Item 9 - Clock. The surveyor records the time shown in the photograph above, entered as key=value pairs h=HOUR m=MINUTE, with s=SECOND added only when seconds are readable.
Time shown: h=10 m=40
